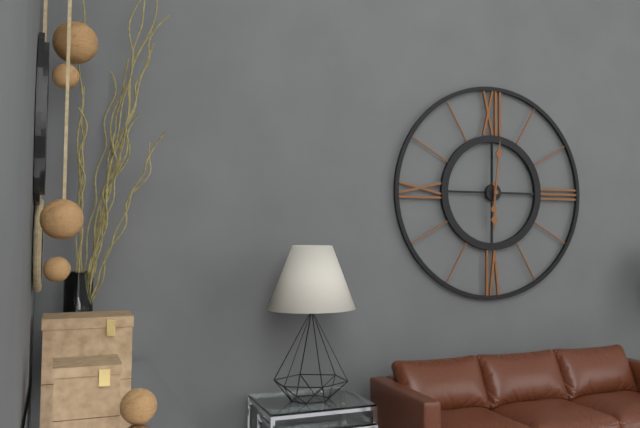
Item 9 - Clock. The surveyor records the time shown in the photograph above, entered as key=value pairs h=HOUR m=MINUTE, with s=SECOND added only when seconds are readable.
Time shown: h=6 m=1
